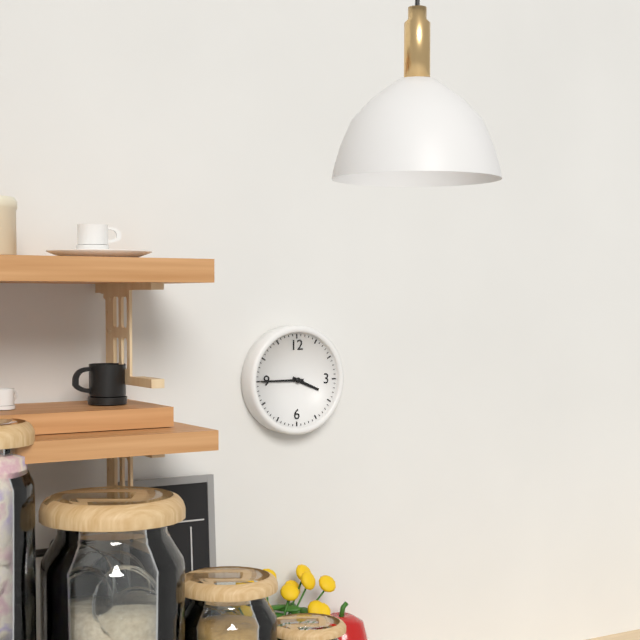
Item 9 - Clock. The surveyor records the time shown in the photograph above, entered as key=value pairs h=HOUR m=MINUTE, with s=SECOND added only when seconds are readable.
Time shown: h=3 m=45
